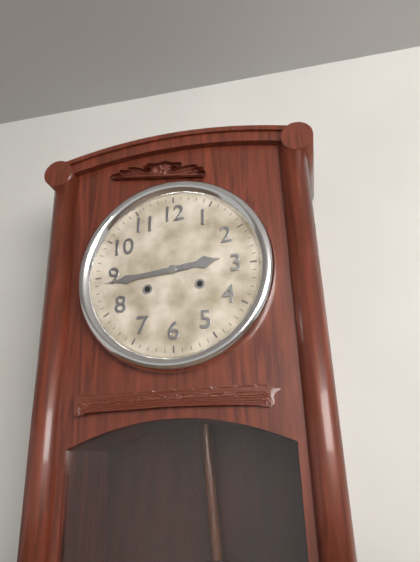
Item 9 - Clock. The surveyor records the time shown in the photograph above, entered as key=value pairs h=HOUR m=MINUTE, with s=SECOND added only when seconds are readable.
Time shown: h=2 m=44
